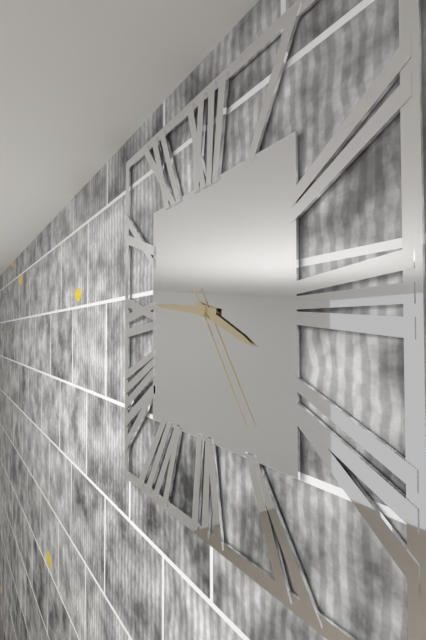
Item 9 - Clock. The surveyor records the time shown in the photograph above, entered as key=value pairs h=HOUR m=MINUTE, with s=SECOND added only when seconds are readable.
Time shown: h=3 m=46 s=24
